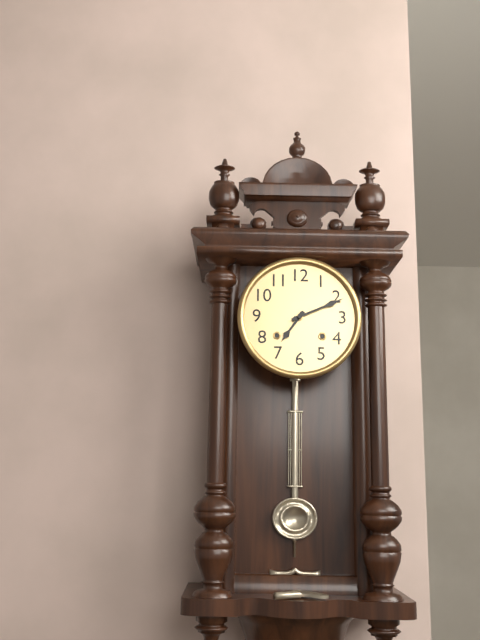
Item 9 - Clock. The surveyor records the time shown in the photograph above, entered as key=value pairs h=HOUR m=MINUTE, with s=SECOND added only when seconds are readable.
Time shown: h=7 m=11
